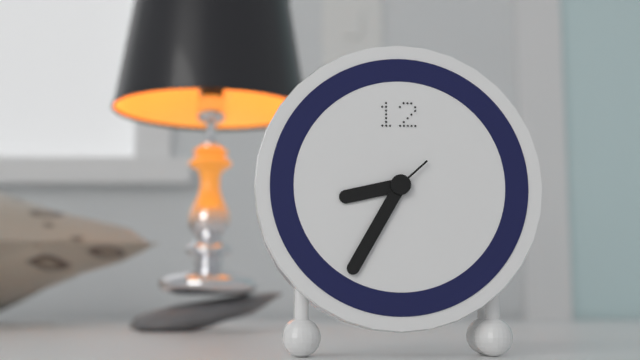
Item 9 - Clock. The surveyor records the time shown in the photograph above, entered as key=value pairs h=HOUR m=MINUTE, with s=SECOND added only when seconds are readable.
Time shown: h=8 m=35 s=8
